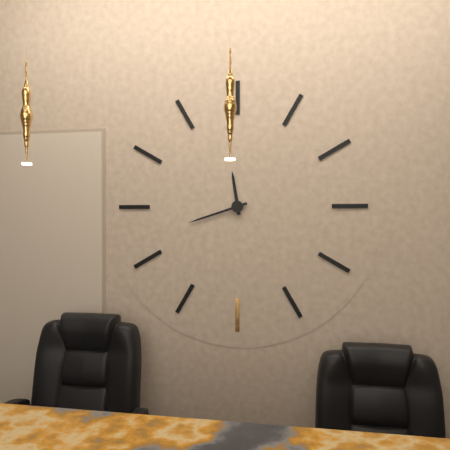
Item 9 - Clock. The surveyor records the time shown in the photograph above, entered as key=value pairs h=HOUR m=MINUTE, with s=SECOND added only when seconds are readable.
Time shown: h=11 m=42
